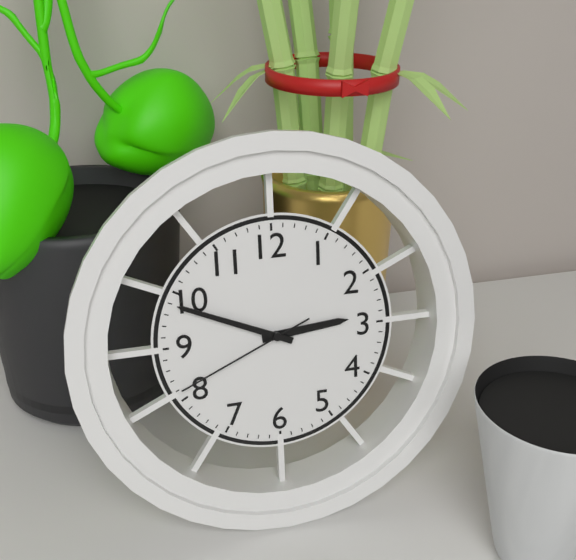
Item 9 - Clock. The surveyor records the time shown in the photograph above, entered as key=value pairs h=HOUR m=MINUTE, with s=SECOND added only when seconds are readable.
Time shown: h=2 m=49 s=41
